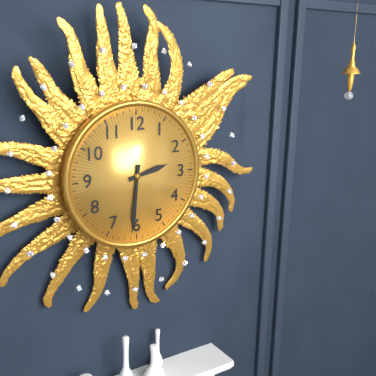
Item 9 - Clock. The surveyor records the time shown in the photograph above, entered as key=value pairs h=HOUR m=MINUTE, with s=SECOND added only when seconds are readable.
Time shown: h=2 m=31
